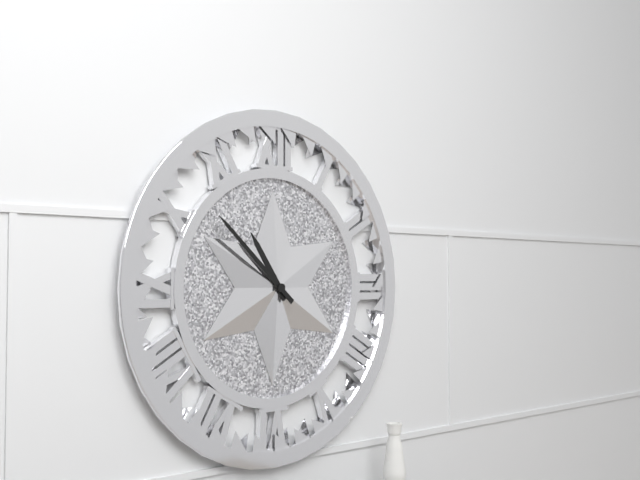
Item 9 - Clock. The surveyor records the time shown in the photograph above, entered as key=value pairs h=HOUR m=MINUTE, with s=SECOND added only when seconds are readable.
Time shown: h=10 m=52
